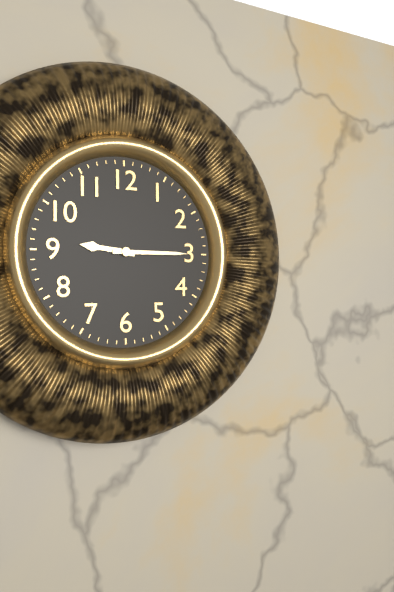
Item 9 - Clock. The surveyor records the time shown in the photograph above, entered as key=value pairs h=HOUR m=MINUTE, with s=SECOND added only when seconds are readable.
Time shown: h=9 m=15
